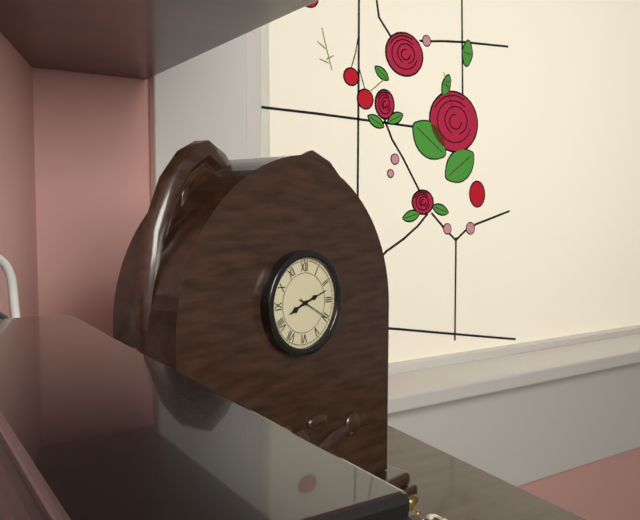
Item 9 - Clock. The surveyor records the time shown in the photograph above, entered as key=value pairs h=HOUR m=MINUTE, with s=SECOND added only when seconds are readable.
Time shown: h=8 m=12
